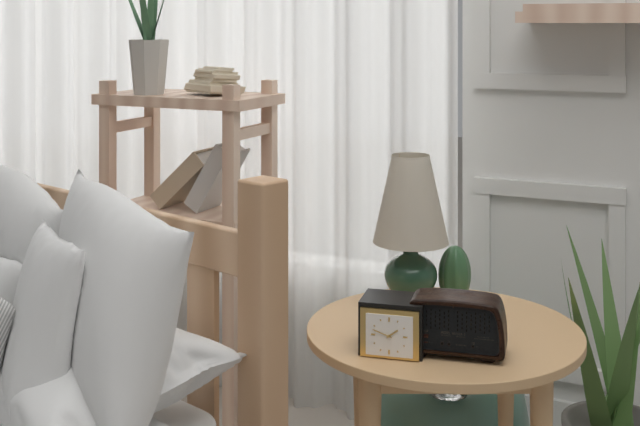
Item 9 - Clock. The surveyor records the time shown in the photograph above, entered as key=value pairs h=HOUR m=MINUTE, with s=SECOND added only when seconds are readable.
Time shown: h=1 m=48
